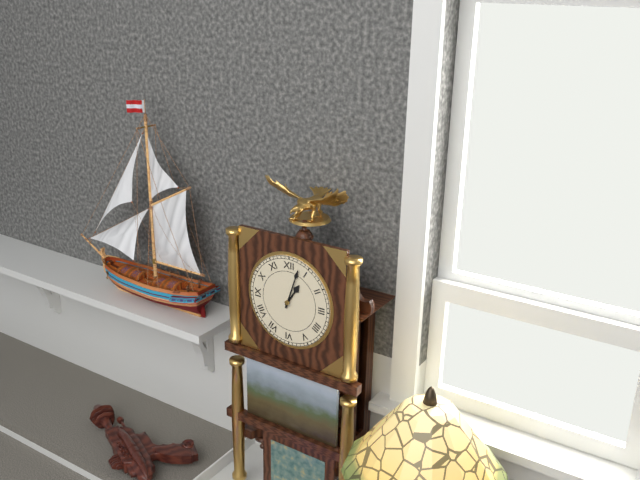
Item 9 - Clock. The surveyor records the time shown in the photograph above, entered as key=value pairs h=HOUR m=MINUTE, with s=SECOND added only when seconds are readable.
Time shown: h=1 m=3
